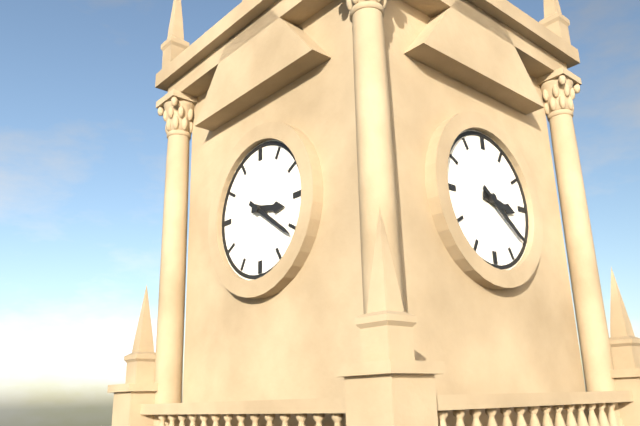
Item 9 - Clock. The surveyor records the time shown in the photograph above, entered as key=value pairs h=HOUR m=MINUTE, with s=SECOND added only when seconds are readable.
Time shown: h=3 m=21
